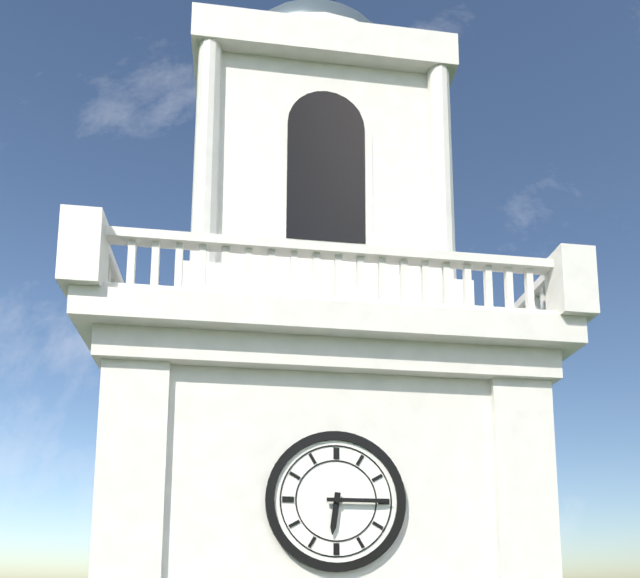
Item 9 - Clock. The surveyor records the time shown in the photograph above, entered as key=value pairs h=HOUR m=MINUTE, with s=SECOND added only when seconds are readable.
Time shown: h=6 m=15
